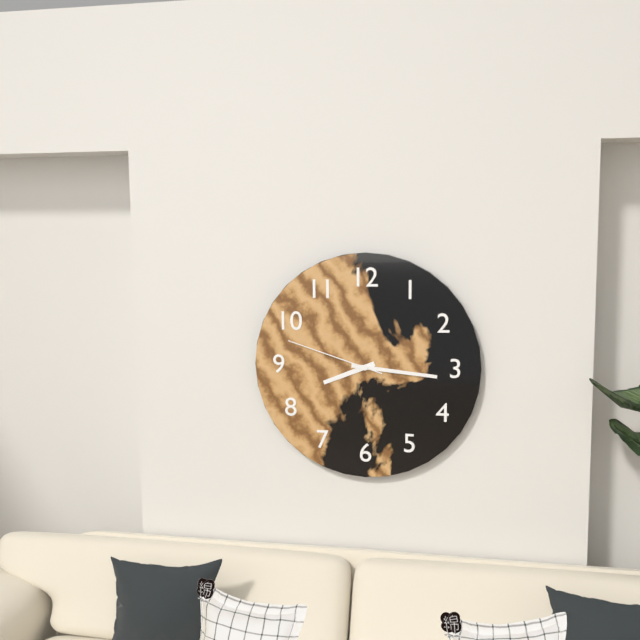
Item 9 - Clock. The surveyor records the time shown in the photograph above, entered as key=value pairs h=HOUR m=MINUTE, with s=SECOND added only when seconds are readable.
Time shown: h=8 m=16 s=48
